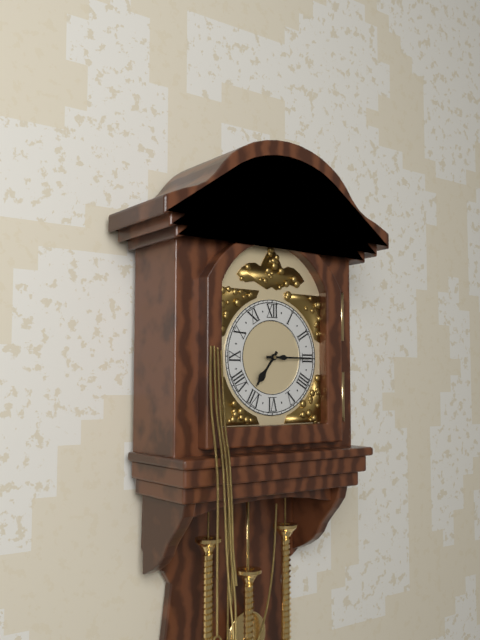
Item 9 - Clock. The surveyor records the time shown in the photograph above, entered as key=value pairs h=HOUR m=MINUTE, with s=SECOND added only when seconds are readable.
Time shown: h=7 m=15
